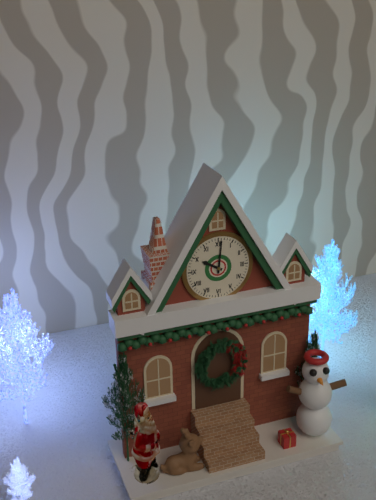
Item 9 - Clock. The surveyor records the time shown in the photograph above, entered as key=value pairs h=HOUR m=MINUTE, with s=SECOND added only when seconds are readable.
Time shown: h=10 m=1
